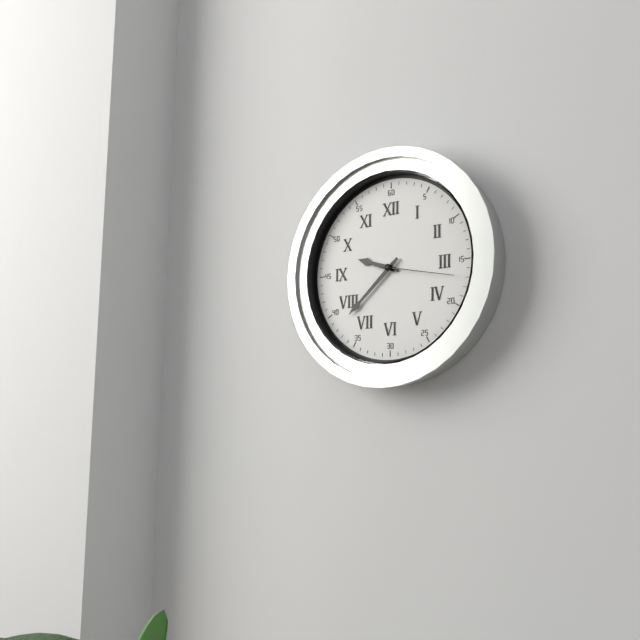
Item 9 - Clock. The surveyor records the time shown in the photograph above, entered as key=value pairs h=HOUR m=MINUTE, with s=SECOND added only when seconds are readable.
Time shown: h=9 m=38 s=17
